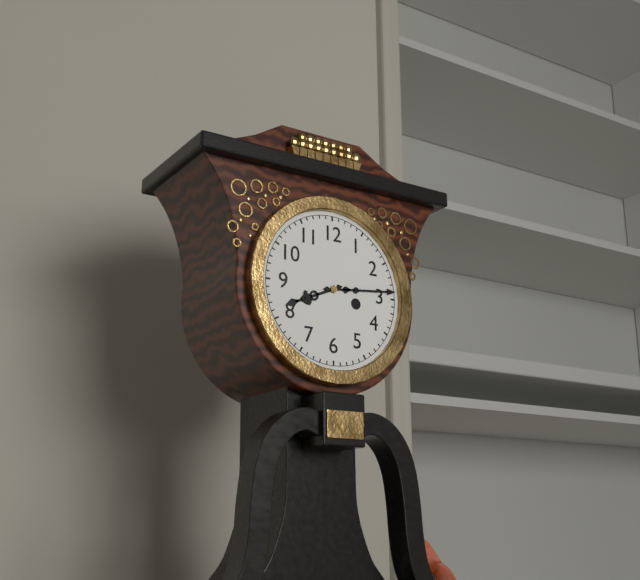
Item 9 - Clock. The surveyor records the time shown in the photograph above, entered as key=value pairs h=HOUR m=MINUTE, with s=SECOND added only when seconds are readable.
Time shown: h=8 m=14
